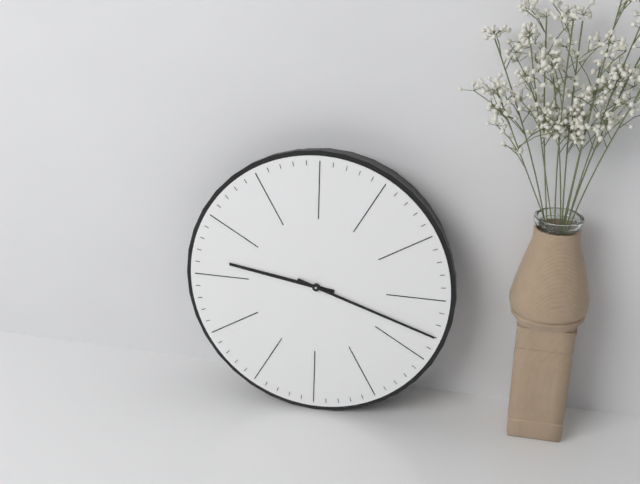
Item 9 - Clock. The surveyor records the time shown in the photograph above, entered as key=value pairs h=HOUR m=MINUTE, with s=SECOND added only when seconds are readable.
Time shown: h=9 m=18
